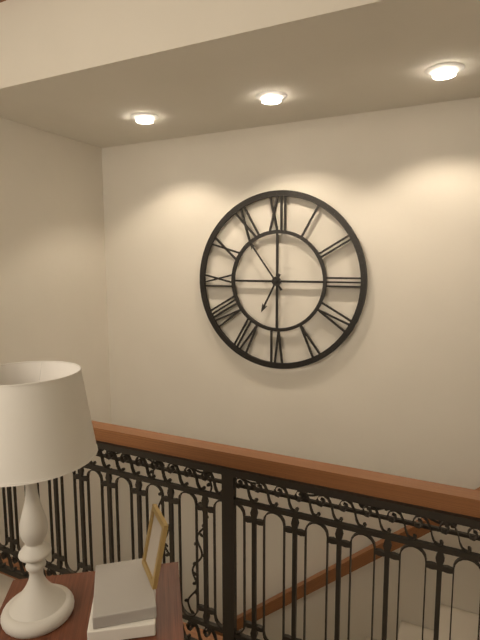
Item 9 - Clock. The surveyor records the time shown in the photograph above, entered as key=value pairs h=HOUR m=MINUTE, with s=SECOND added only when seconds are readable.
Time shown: h=6 m=54
